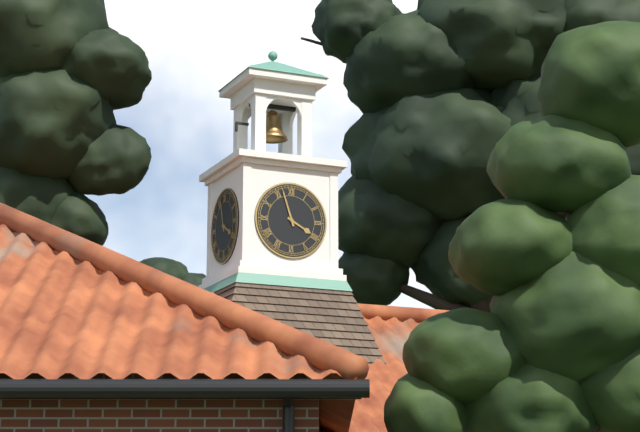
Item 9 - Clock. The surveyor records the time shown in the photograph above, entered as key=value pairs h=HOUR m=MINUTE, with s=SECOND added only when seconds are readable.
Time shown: h=3 m=57
